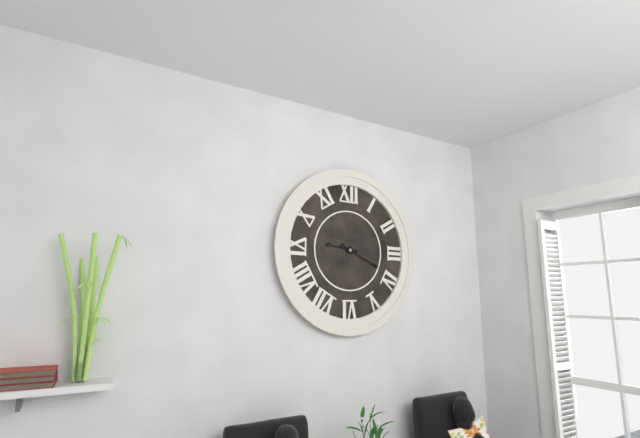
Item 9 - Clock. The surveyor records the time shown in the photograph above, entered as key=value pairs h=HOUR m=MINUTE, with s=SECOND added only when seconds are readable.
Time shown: h=9 m=19
